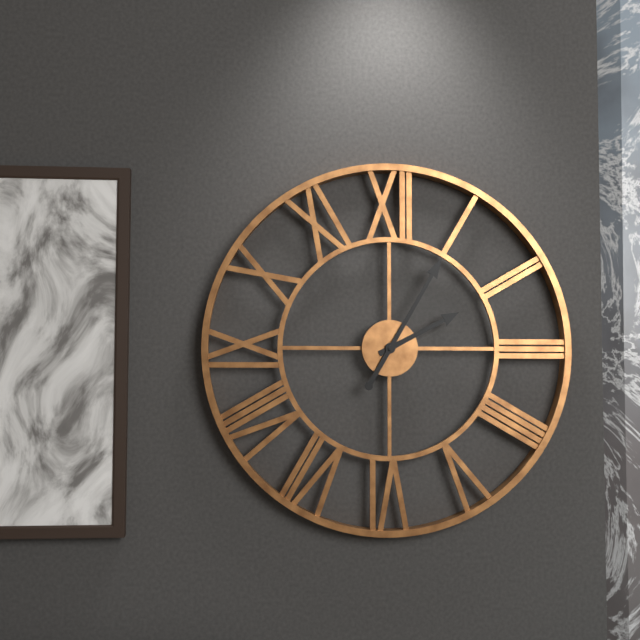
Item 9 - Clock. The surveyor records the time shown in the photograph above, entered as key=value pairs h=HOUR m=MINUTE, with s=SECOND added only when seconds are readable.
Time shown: h=2 m=5
